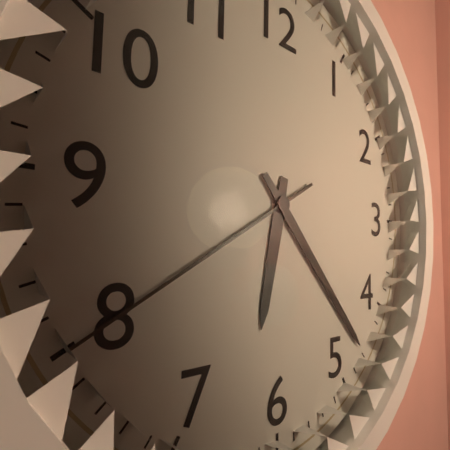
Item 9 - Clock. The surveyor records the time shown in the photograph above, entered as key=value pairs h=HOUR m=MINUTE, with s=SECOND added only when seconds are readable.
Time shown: h=6 m=23 s=40
